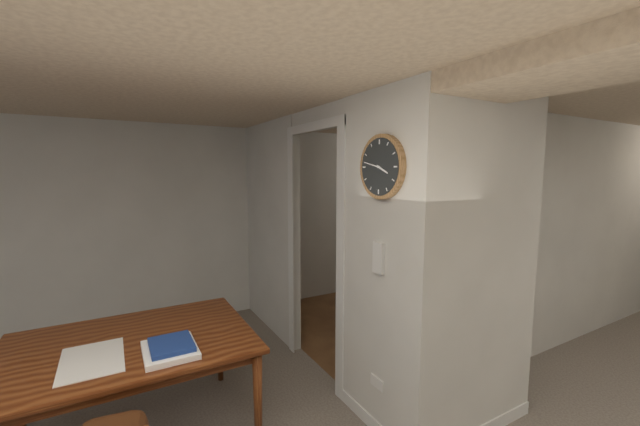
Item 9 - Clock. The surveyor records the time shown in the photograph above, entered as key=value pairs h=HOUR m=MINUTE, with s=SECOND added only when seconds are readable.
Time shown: h=3 m=47
